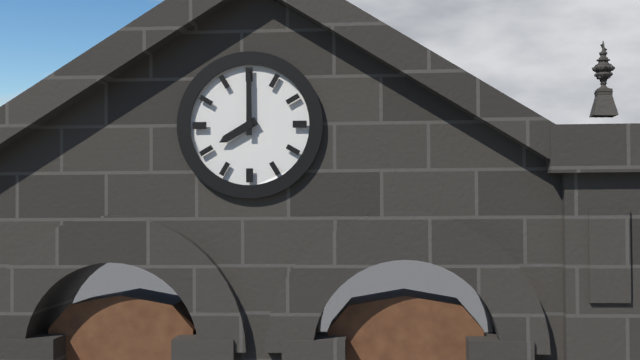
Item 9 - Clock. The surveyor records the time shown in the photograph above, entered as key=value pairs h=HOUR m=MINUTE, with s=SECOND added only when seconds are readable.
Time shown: h=8 m=0
